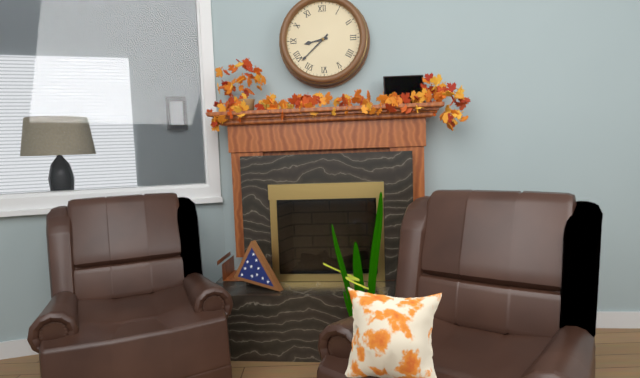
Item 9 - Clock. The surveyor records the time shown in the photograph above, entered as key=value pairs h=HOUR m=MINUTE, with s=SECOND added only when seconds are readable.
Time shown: h=8 m=38
